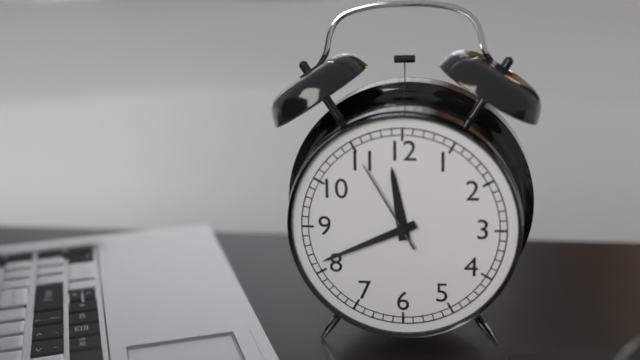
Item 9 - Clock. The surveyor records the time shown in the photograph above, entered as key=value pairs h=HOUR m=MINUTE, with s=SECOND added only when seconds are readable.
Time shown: h=11 m=41 s=55
